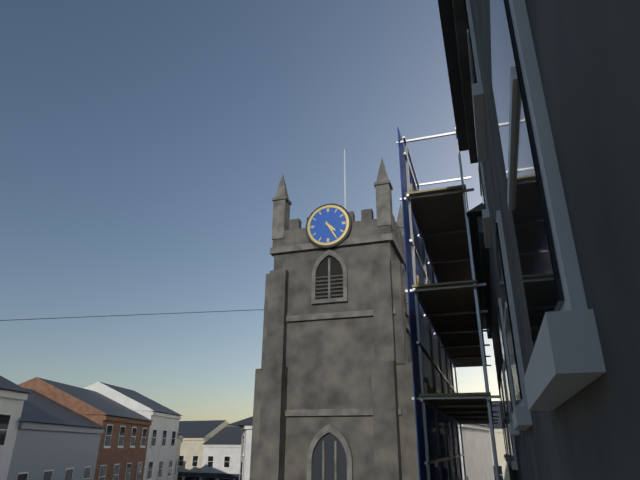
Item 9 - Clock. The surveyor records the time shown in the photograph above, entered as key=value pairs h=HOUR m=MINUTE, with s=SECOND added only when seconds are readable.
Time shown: h=4 m=25
